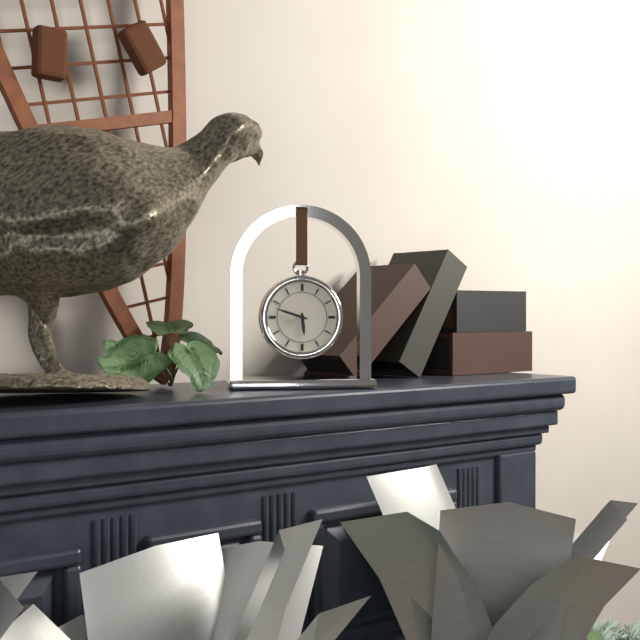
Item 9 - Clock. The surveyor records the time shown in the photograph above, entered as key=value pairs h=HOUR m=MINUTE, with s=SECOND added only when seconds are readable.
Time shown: h=5 m=48
